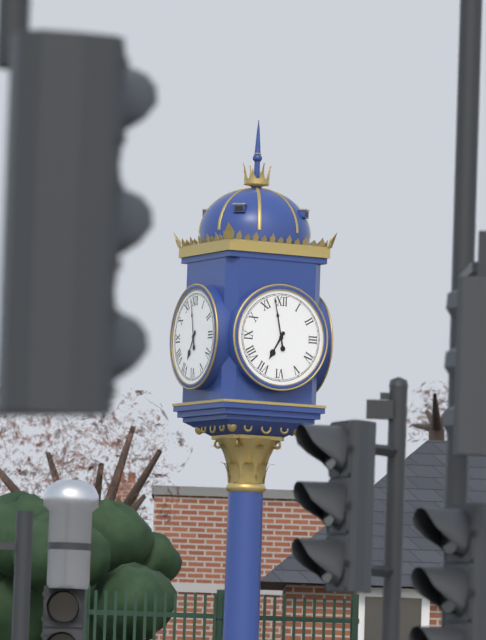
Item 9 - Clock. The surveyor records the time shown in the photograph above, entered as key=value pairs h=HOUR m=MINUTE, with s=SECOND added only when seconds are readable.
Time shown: h=6 m=58
